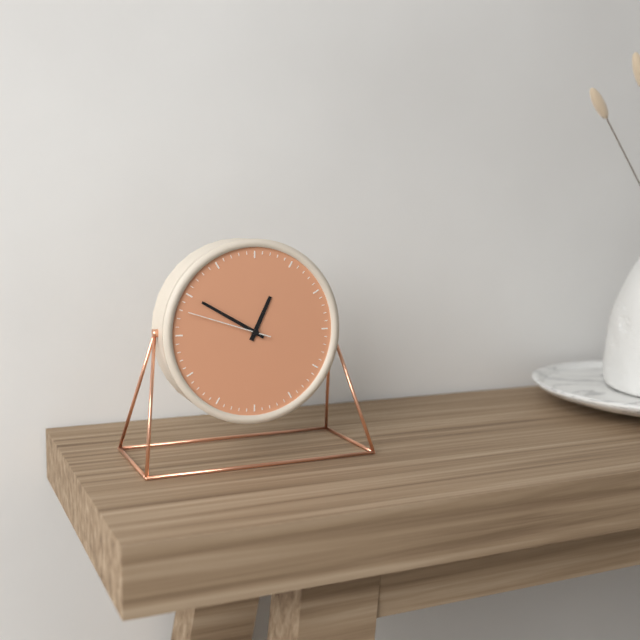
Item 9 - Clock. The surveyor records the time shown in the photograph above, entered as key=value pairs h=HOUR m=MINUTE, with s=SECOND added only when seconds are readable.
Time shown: h=12 m=50 s=48
